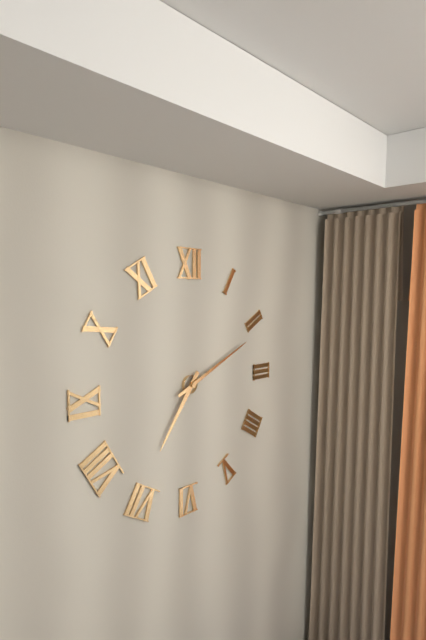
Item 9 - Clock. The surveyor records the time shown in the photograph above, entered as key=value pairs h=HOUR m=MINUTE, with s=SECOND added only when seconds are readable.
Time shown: h=7 m=11
